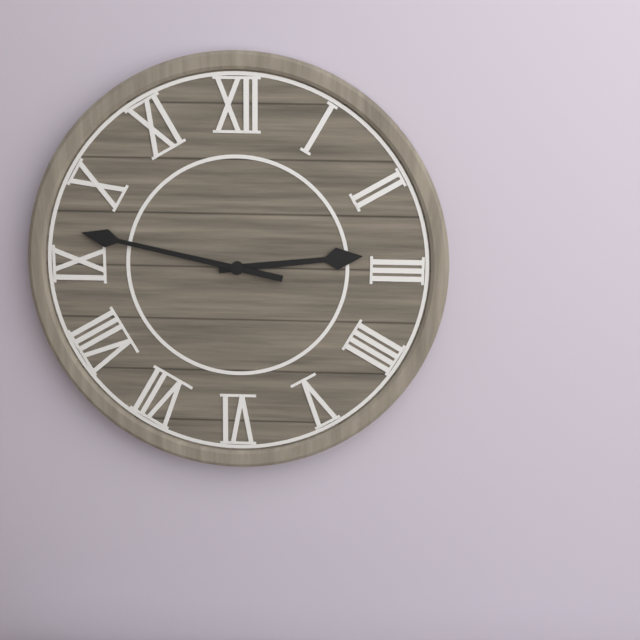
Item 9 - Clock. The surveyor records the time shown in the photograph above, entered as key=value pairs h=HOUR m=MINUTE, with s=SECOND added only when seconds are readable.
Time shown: h=2 m=47
